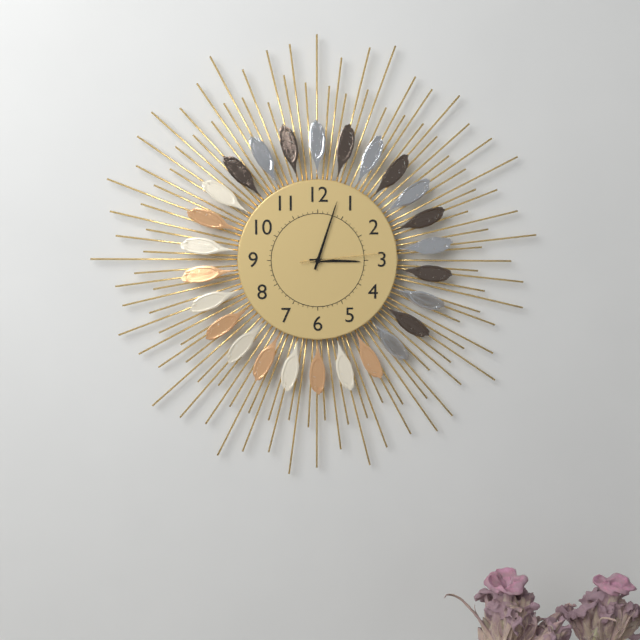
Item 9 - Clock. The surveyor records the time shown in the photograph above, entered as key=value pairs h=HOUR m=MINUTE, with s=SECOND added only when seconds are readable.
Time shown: h=3 m=3 s=14
